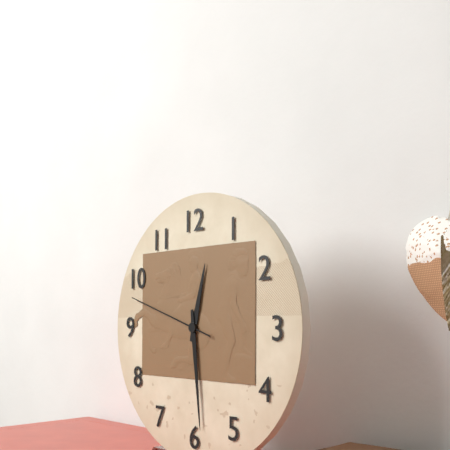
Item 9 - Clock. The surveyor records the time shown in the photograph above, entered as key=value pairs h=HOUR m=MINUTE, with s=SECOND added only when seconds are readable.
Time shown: h=12 m=29 s=48
